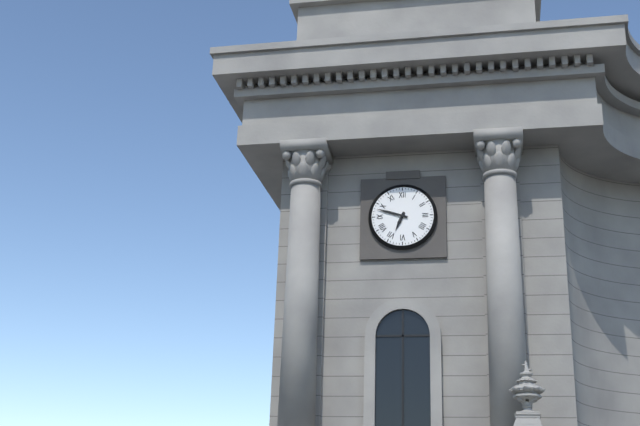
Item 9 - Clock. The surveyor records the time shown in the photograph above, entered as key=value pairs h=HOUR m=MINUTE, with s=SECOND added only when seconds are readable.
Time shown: h=6 m=48
